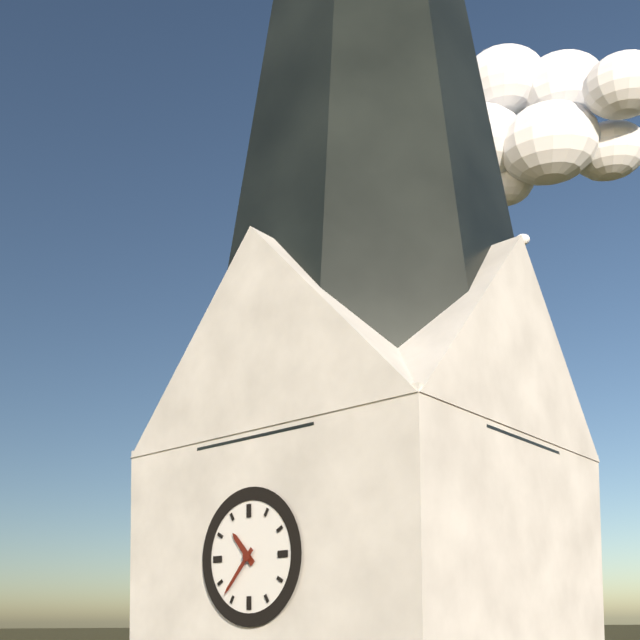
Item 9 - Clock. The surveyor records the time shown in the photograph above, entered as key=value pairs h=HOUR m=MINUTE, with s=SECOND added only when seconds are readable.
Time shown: h=10 m=37
